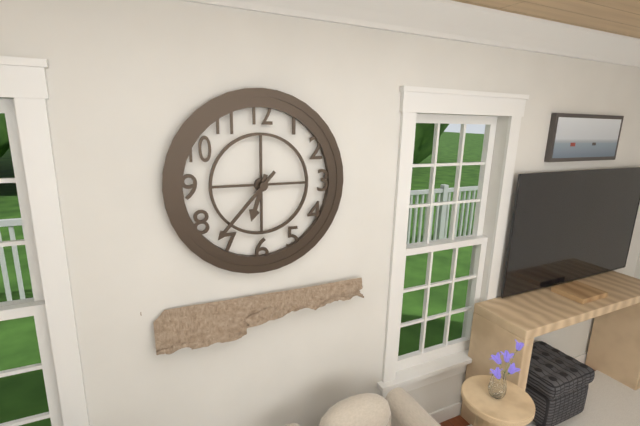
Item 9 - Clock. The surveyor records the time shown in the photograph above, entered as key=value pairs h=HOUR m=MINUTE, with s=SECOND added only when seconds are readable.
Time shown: h=6 m=37
